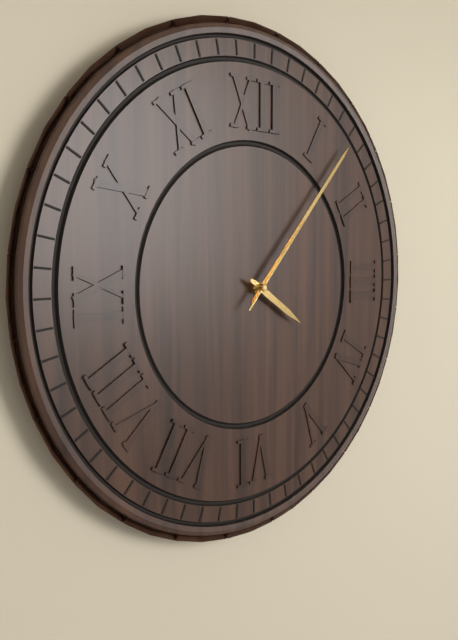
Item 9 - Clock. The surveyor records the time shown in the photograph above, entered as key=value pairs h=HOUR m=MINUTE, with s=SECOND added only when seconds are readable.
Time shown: h=4 m=7 s=7
